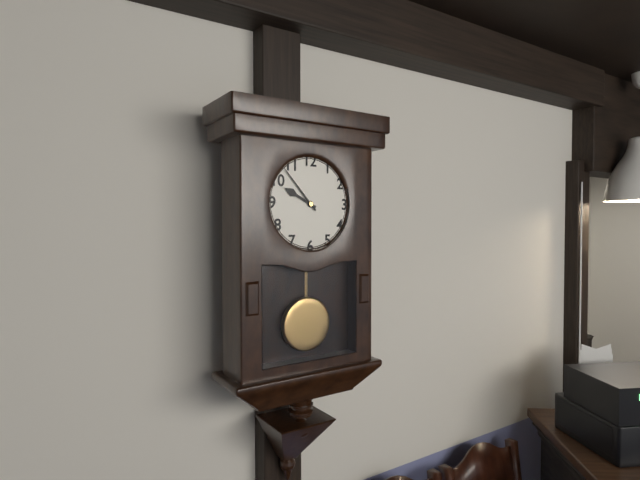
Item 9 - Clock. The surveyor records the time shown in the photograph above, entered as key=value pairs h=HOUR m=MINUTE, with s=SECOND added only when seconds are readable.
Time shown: h=9 m=53
